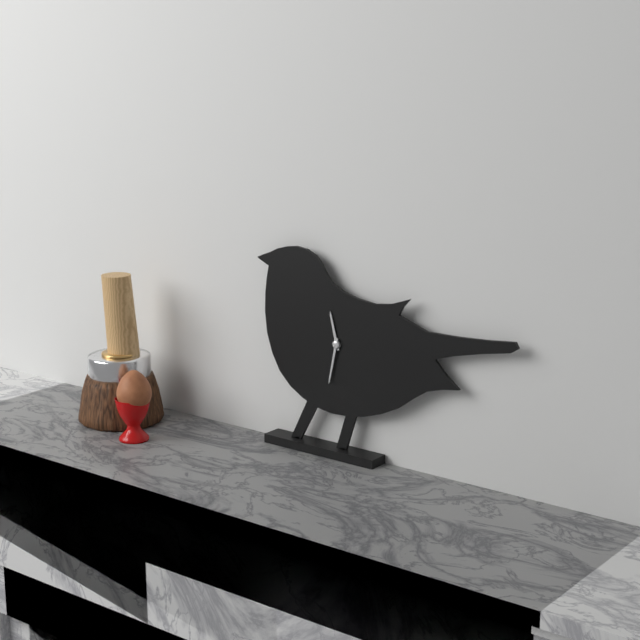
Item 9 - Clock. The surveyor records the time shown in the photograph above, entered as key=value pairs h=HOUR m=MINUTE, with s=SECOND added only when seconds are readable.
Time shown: h=11 m=32
